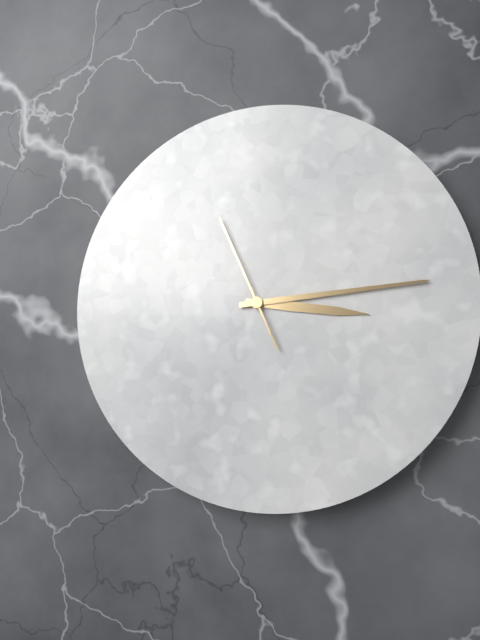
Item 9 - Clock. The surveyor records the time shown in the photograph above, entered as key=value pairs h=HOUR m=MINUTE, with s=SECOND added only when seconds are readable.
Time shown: h=3 m=14 s=56
